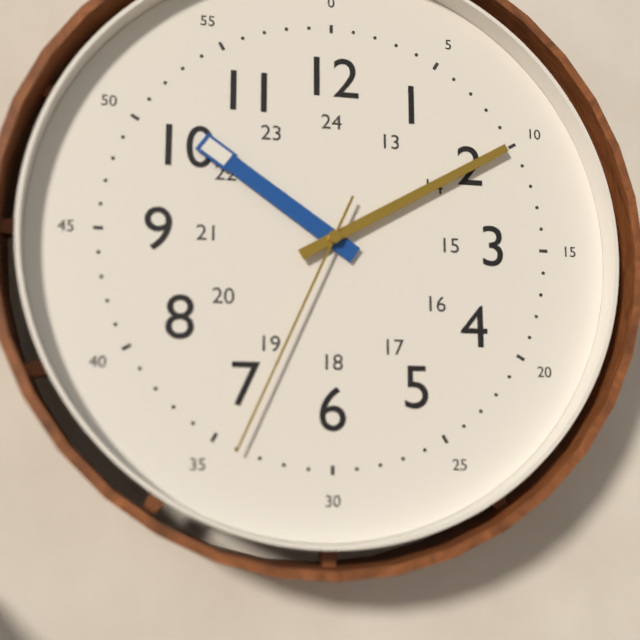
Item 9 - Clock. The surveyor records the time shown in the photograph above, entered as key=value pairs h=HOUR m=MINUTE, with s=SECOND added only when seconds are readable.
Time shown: h=10 m=10 s=34
